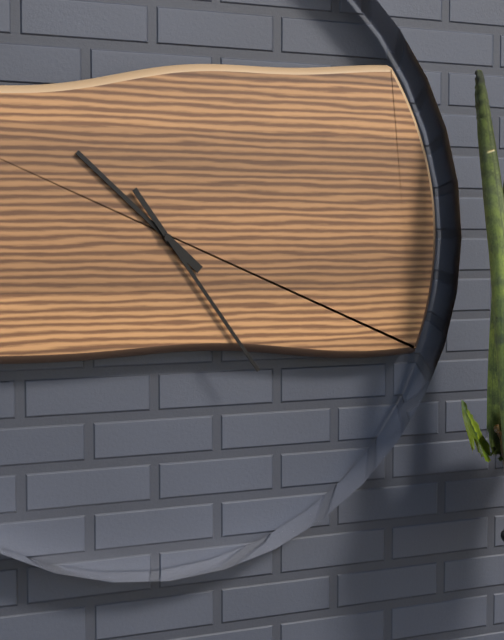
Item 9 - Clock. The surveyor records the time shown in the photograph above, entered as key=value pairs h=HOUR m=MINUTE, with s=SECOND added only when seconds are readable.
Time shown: h=10 m=24
